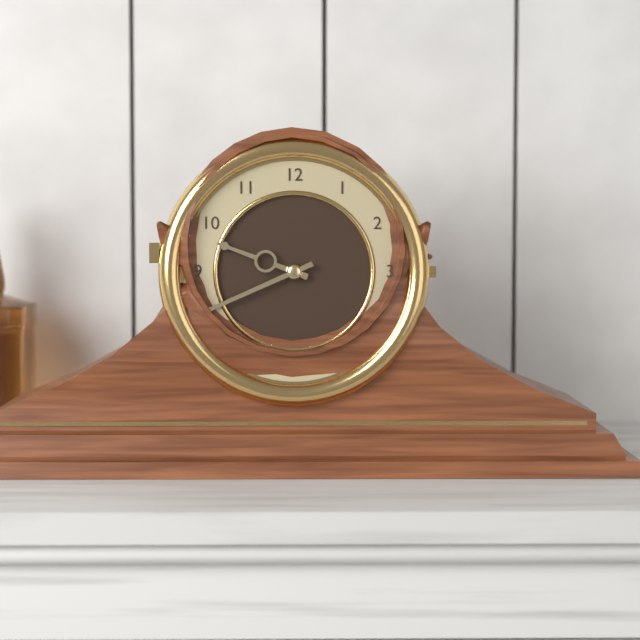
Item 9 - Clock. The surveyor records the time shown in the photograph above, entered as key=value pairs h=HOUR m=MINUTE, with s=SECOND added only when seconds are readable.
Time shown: h=9 m=41
